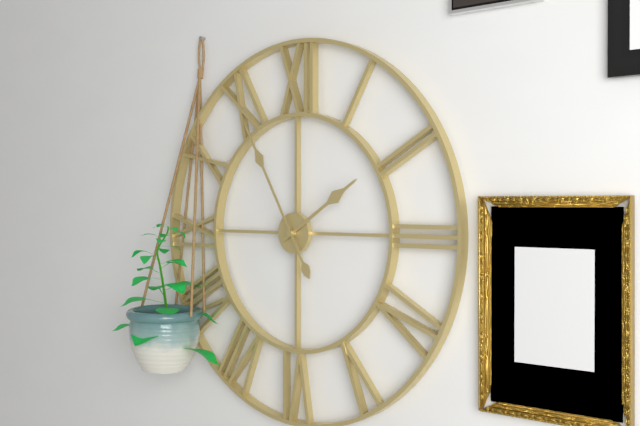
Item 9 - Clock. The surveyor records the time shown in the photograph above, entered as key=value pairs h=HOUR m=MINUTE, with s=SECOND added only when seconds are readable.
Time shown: h=1 m=55
